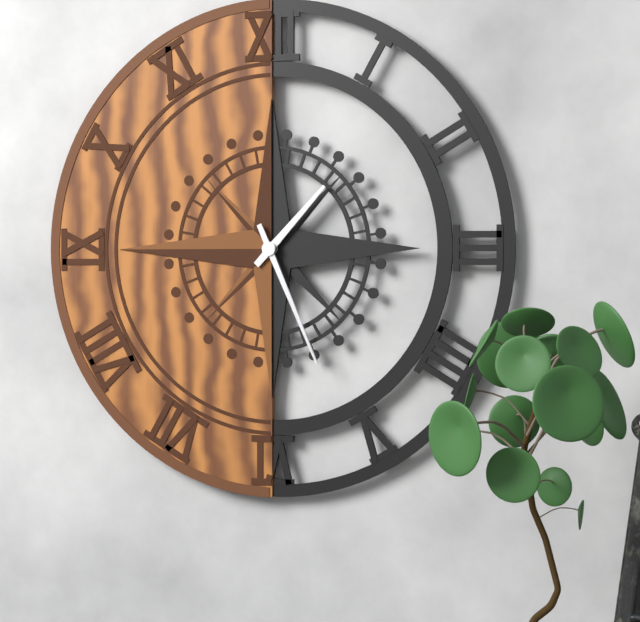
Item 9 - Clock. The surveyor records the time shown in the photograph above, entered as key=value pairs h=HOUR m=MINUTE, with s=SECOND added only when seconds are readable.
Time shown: h=1 m=26
